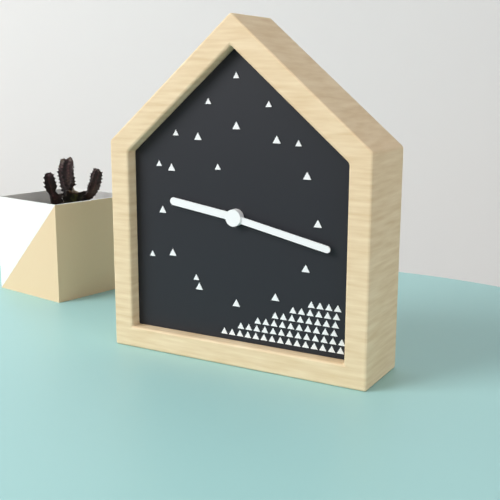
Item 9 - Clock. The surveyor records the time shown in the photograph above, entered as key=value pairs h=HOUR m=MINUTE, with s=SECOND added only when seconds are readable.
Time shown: h=9 m=17
